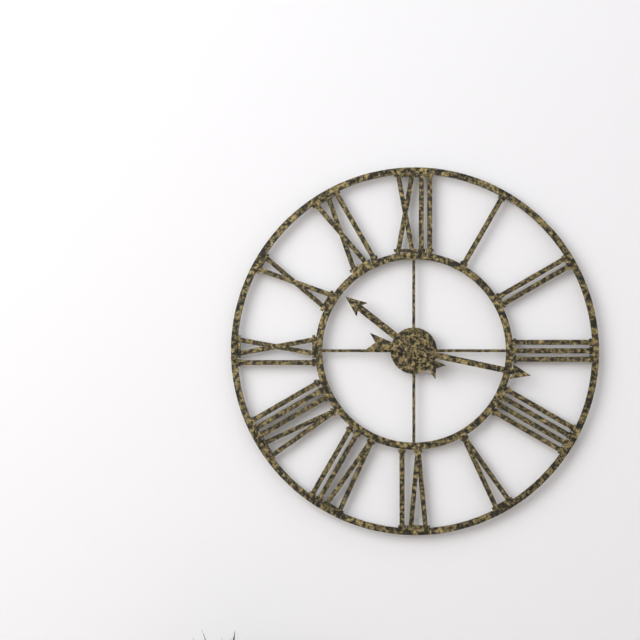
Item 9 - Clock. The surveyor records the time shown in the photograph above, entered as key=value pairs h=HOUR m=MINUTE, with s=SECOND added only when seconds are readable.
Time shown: h=10 m=17
